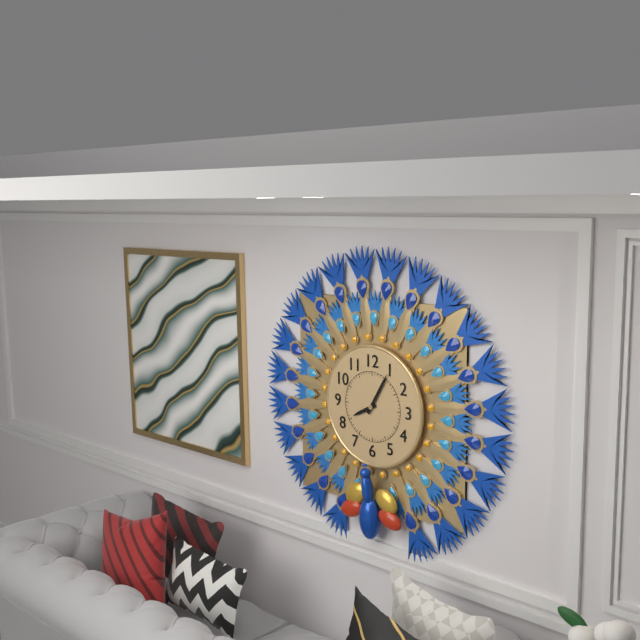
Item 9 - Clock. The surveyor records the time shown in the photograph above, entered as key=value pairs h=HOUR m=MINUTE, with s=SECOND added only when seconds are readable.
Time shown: h=8 m=5
